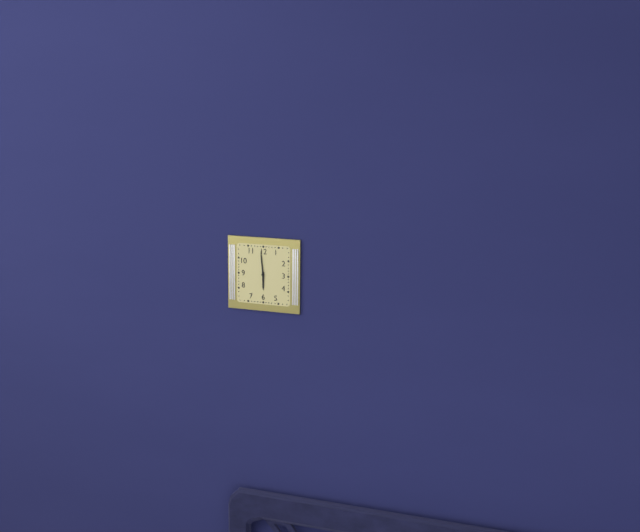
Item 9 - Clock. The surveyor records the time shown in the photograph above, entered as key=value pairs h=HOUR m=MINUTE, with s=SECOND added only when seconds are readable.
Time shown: h=5 m=59
